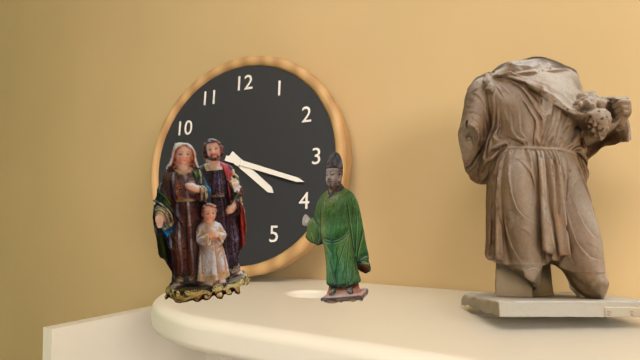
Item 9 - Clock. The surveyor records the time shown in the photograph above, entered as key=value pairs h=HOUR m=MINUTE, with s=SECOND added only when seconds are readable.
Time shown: h=4 m=18
